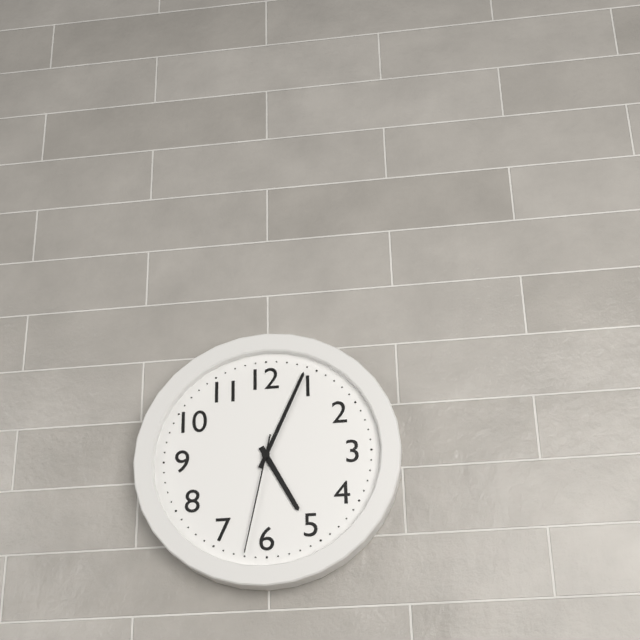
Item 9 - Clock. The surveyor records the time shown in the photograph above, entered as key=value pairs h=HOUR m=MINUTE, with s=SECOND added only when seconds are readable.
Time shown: h=5 m=4 s=32
